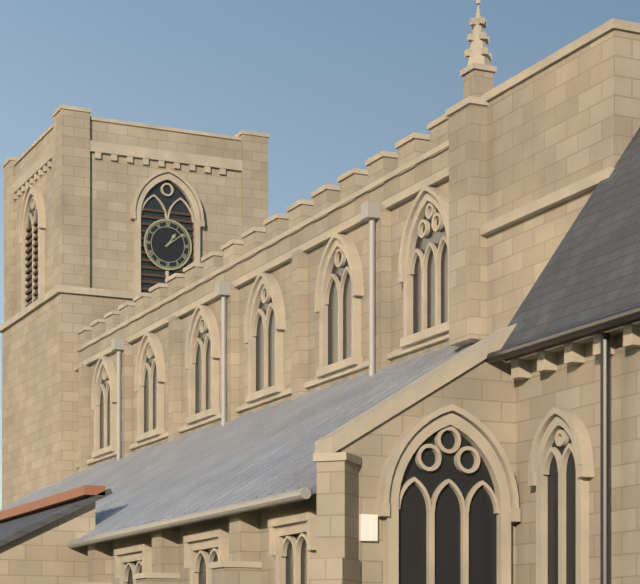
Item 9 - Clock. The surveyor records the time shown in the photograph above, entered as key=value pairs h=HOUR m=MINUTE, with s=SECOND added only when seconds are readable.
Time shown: h=1 m=9
